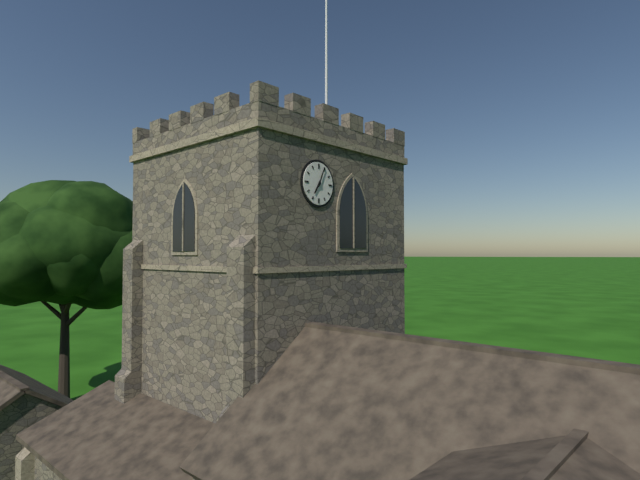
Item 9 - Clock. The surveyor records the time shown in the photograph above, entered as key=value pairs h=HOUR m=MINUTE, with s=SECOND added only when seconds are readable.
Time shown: h=7 m=4
